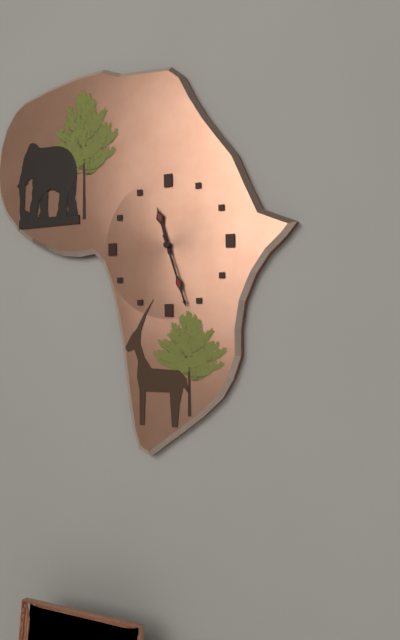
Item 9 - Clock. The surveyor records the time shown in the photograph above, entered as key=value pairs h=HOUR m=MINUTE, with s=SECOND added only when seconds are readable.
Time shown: h=11 m=27
